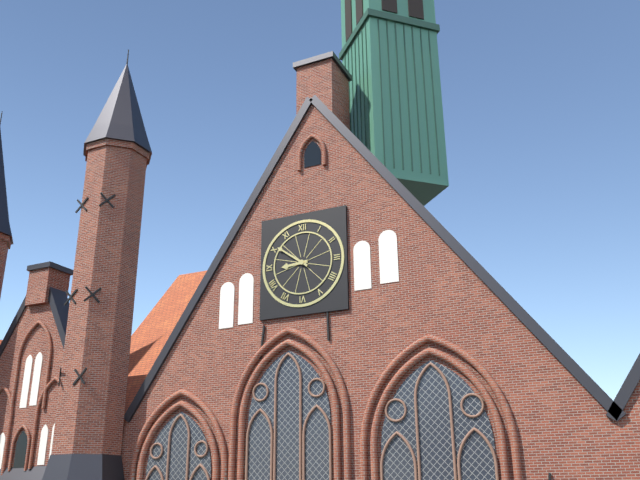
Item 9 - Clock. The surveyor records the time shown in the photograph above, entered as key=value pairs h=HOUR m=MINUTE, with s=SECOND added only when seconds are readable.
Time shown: h=8 m=51
